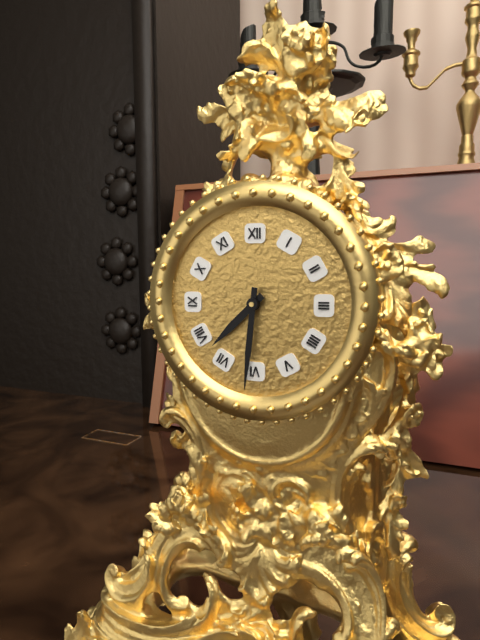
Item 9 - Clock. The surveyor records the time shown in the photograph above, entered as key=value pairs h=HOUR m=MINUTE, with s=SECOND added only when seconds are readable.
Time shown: h=7 m=31
